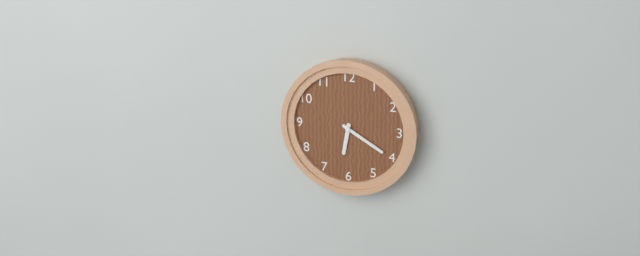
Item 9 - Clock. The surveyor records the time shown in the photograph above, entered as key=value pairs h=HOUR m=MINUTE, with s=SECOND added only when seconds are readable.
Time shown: h=6 m=20
